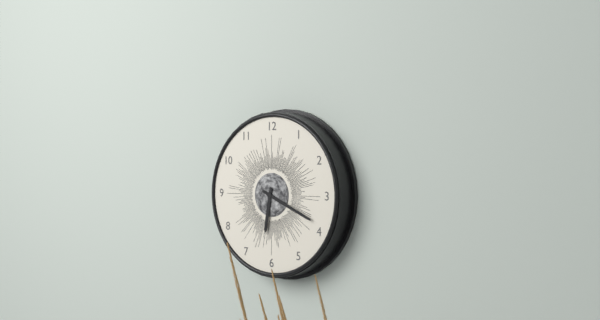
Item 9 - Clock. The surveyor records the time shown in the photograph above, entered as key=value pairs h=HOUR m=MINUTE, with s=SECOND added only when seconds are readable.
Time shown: h=6 m=19
